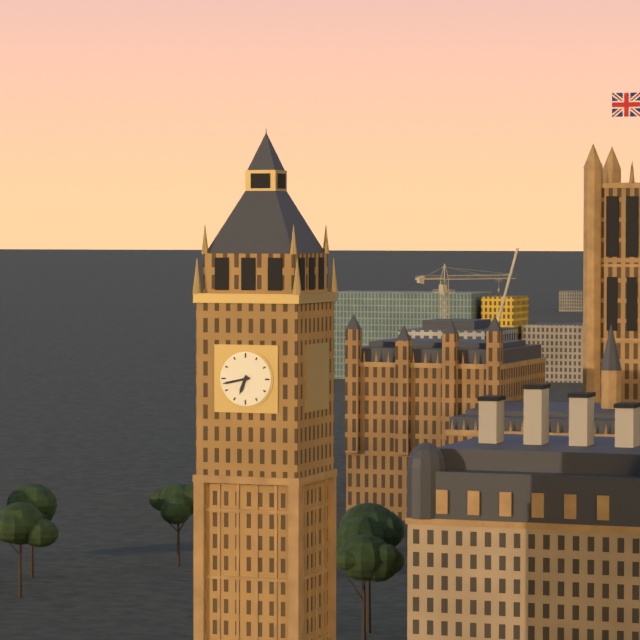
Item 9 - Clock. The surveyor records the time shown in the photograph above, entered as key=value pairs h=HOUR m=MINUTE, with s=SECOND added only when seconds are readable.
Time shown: h=6 m=43
